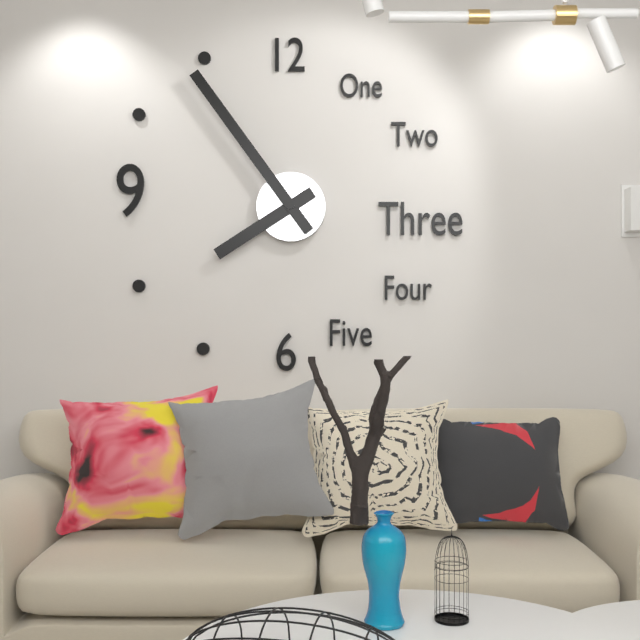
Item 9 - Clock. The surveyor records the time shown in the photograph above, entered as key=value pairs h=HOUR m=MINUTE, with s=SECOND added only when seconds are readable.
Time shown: h=7 m=54
